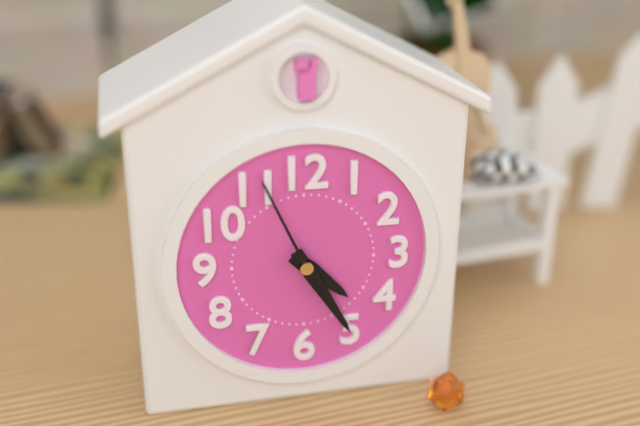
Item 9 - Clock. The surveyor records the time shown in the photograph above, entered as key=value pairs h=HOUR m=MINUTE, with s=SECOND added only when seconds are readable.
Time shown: h=4 m=25 s=56
